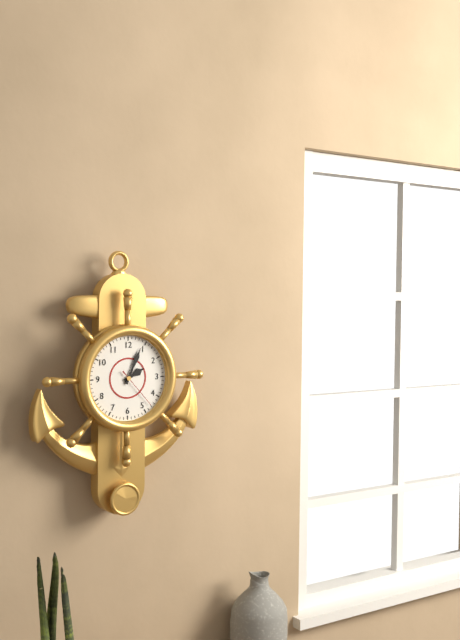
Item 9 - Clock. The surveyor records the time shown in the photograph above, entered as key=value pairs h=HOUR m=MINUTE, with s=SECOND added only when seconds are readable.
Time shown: h=2 m=4
